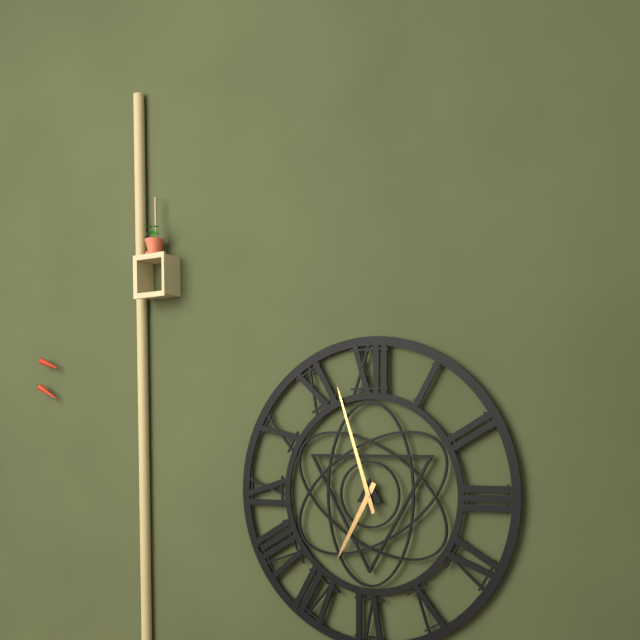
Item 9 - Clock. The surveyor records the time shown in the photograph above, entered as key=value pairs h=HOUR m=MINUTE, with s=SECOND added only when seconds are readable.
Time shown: h=6 m=57
